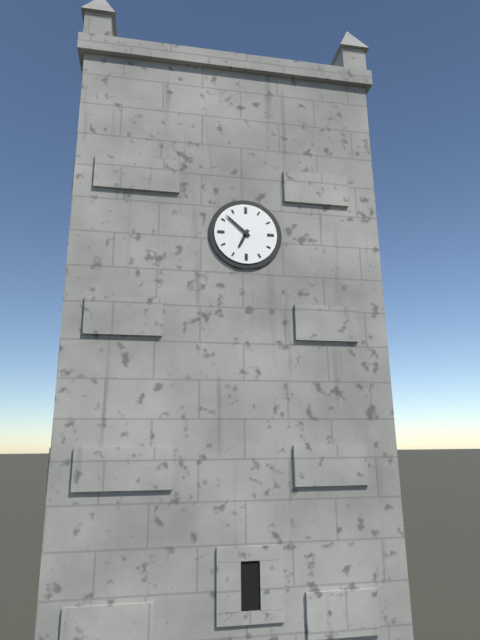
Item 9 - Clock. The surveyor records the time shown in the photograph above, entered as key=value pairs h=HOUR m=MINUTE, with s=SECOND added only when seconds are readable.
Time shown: h=6 m=52
